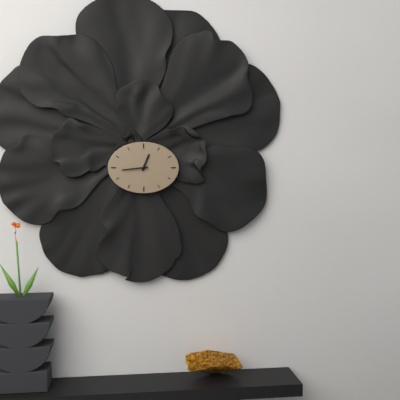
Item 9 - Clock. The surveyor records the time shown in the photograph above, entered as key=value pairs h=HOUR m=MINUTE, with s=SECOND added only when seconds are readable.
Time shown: h=12 m=44
